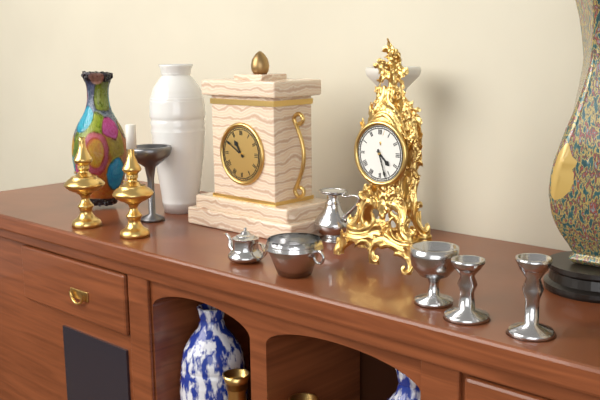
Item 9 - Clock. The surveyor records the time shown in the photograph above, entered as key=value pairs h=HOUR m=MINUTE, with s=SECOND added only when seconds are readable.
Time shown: h=4 m=27
